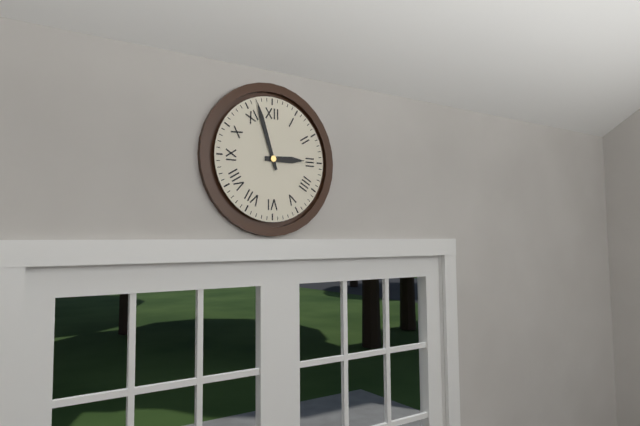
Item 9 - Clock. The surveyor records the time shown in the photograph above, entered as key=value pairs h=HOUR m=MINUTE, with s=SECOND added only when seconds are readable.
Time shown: h=2 m=57
